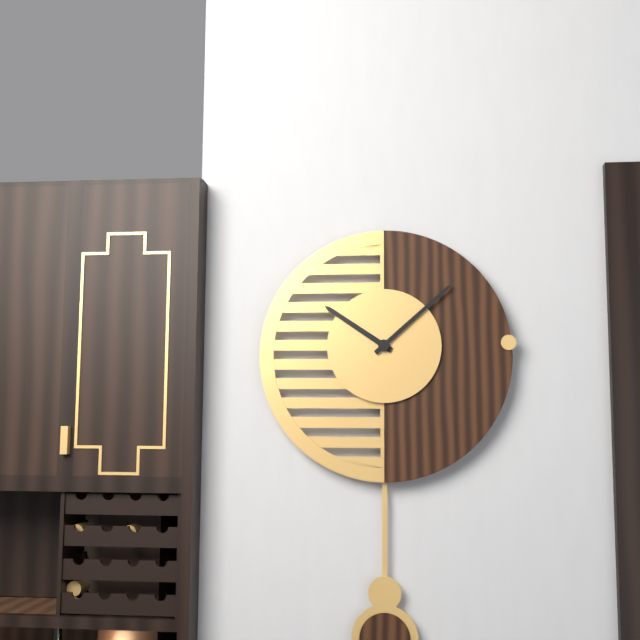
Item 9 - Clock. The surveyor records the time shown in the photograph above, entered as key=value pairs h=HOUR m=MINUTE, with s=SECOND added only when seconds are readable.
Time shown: h=10 m=8
